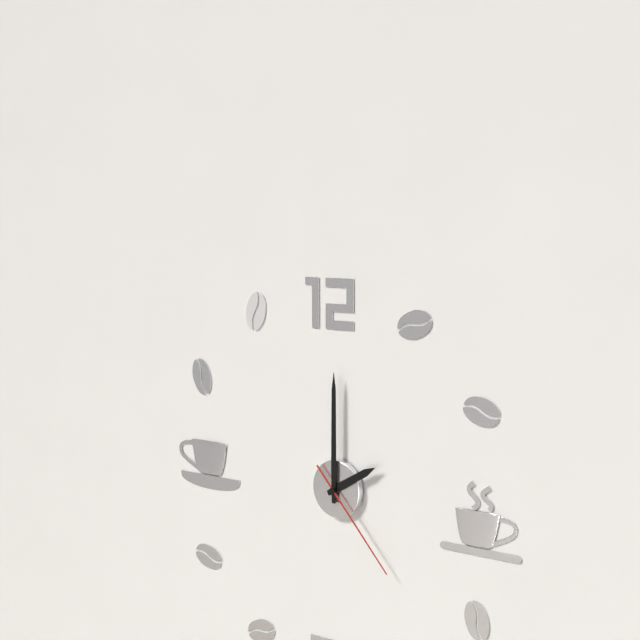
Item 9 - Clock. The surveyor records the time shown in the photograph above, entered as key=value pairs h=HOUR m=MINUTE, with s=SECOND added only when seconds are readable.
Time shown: h=2 m=0 s=23
